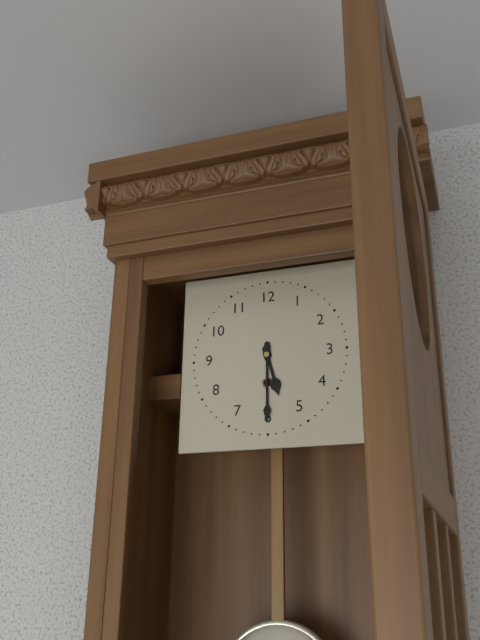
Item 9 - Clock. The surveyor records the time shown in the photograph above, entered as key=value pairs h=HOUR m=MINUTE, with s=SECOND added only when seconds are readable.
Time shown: h=5 m=30
